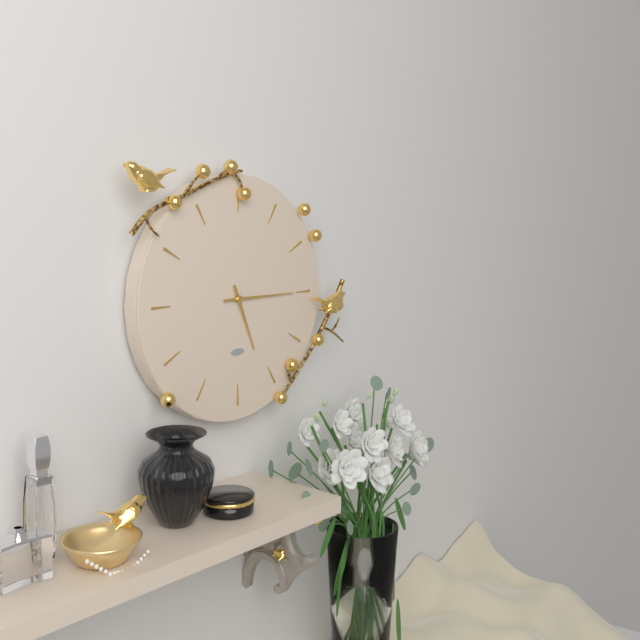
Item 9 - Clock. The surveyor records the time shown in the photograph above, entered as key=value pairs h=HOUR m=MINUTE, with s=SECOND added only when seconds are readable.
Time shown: h=5 m=15
